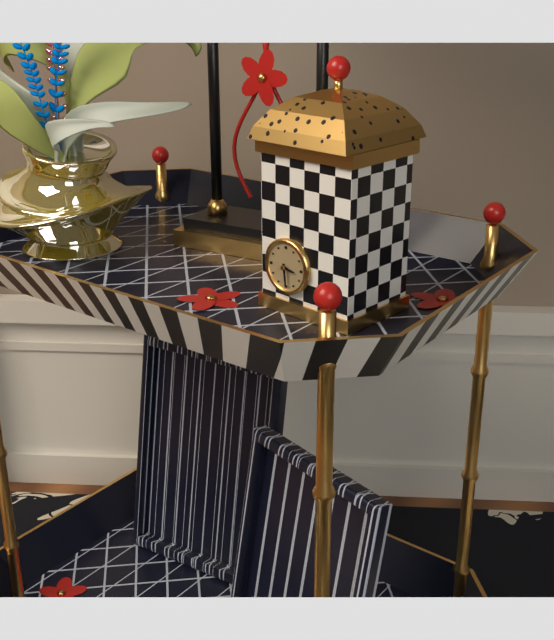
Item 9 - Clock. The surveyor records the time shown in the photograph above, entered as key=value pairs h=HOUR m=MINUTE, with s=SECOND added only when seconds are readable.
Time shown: h=3 m=29
